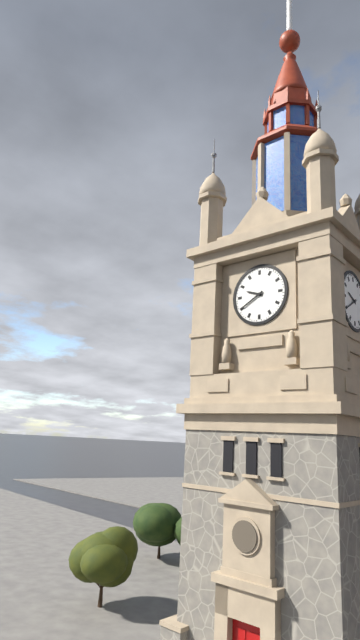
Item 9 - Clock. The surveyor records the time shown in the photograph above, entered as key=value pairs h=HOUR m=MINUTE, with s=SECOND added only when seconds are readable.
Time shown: h=9 m=40
